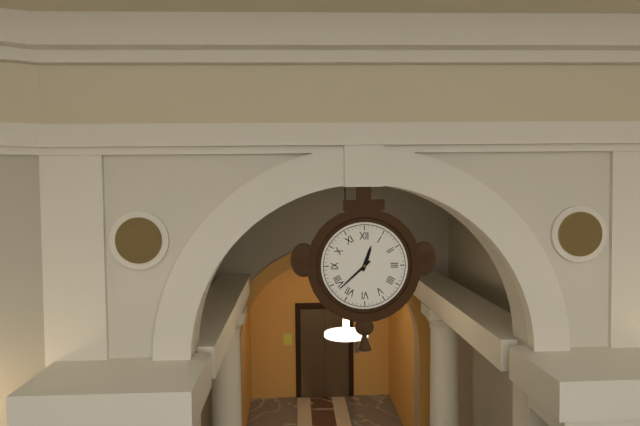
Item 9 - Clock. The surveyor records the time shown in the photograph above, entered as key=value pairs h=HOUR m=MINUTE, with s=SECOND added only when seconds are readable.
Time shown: h=12 m=38
